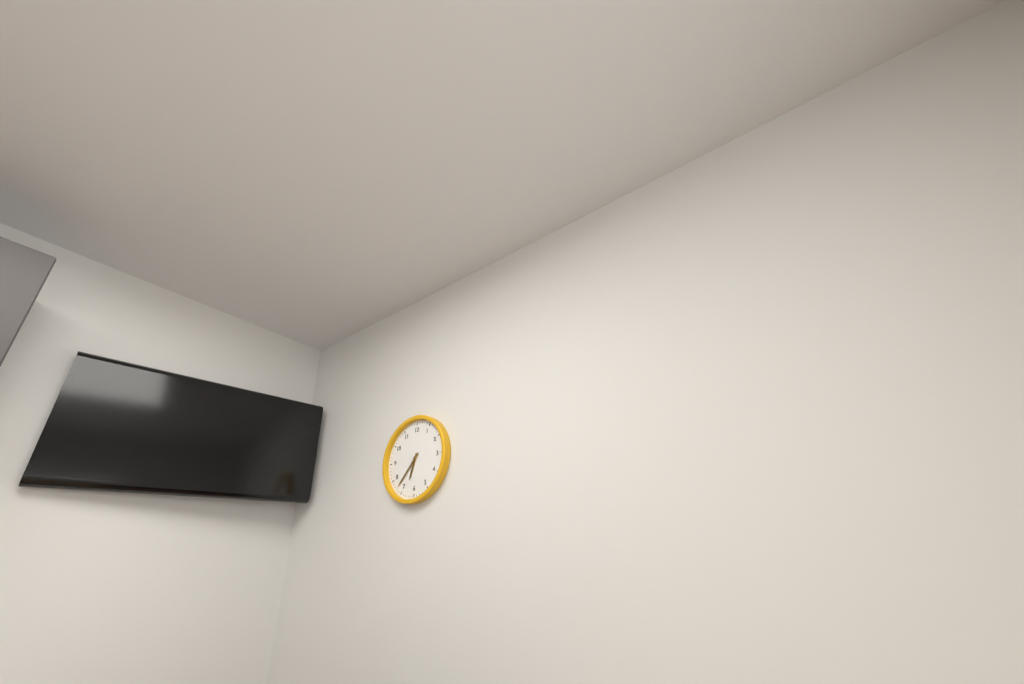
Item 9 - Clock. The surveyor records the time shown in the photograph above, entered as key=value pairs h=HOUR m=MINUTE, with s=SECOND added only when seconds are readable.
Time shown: h=6 m=37
